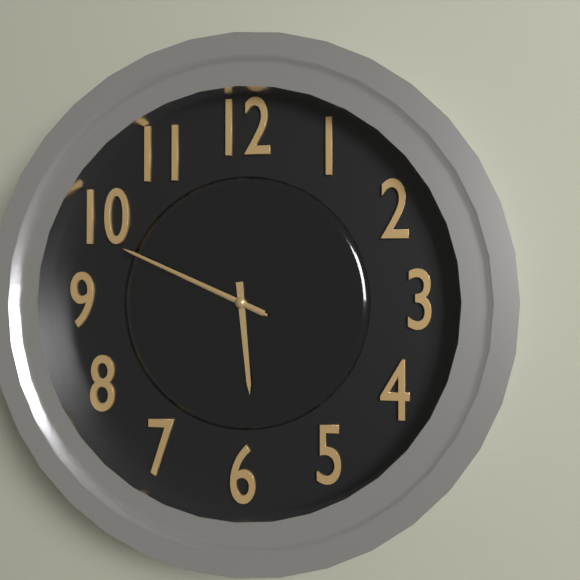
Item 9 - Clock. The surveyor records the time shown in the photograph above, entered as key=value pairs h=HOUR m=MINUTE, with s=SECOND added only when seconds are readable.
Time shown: h=5 m=49 s=49
